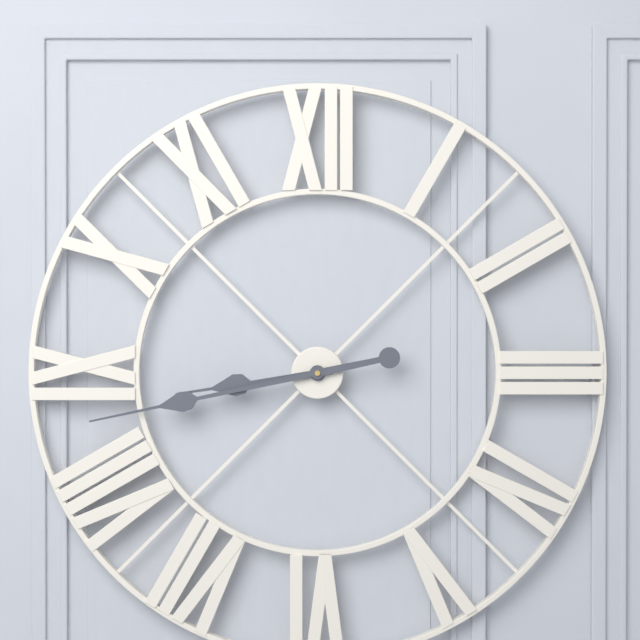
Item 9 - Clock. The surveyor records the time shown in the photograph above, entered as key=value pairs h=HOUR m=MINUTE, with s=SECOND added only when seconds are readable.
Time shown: h=8 m=43
